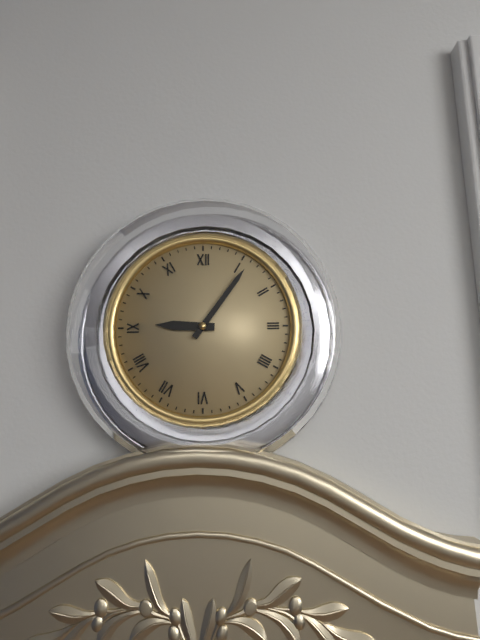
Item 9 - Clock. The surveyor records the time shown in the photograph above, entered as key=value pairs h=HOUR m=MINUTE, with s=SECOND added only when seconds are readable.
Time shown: h=9 m=6
